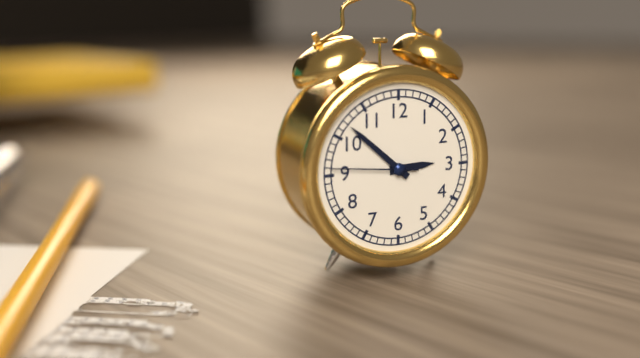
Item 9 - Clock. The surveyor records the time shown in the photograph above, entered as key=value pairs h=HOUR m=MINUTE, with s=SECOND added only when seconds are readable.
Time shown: h=2 m=52 s=46
